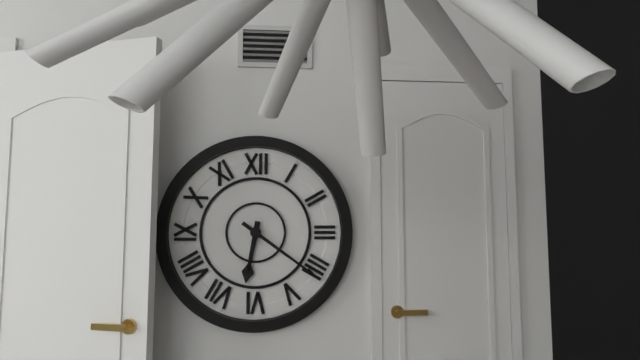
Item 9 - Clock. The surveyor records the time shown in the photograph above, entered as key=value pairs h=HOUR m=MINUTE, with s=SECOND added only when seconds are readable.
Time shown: h=6 m=21
